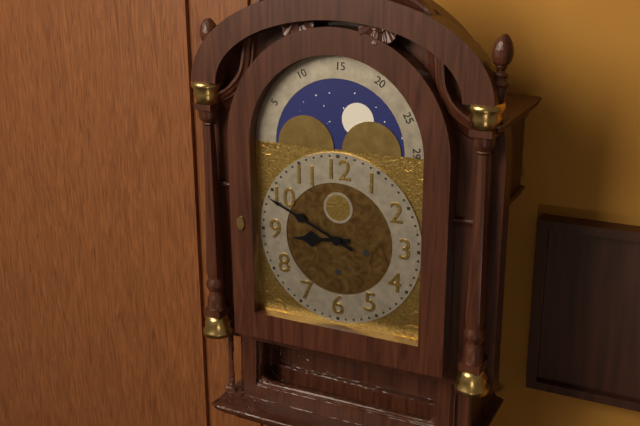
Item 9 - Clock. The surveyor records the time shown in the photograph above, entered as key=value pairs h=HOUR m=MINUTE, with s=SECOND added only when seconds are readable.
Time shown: h=8 m=49
